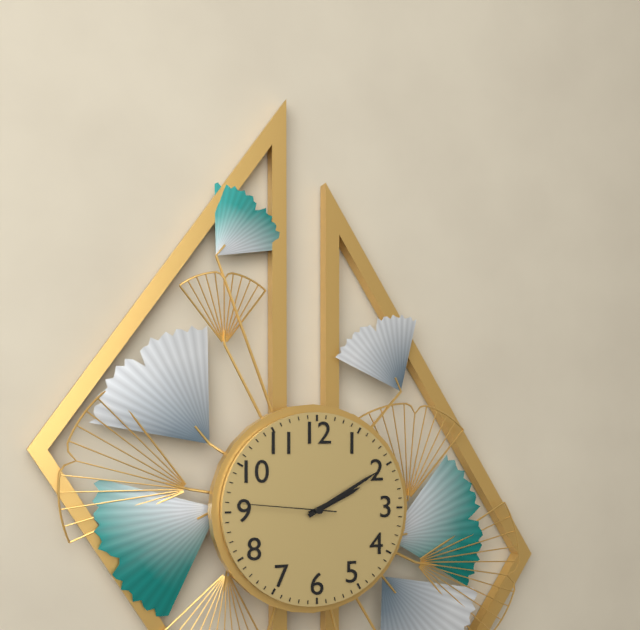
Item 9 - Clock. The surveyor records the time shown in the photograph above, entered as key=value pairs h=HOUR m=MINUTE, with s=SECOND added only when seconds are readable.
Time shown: h=2 m=10 s=46
